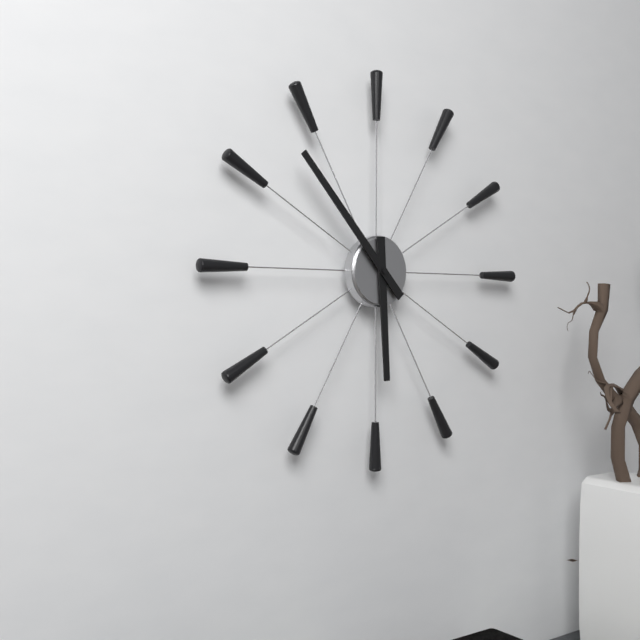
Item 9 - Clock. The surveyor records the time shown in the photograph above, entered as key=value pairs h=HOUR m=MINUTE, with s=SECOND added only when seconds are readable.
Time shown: h=5 m=53
